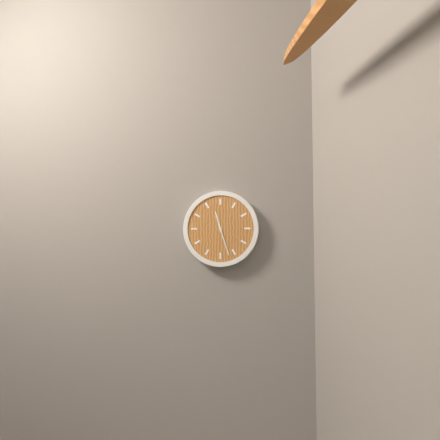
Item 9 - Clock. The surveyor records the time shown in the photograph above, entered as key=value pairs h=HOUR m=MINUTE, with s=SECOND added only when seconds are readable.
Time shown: h=11 m=27
